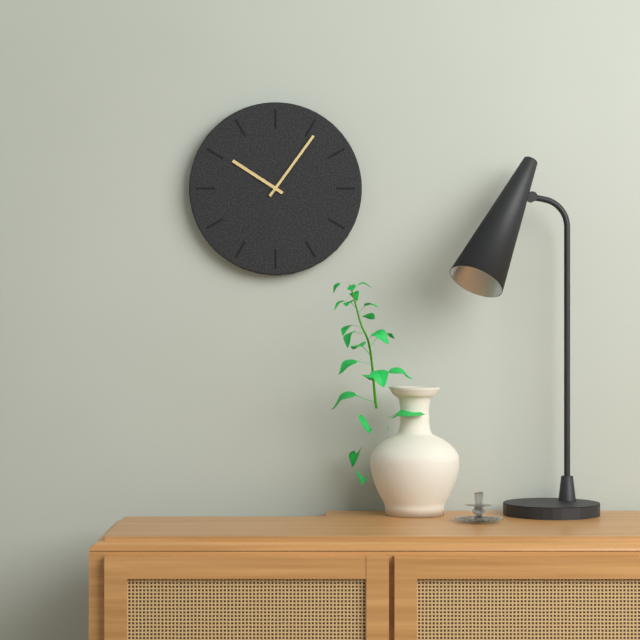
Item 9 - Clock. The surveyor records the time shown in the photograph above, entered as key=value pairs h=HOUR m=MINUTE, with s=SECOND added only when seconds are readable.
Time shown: h=10 m=6
